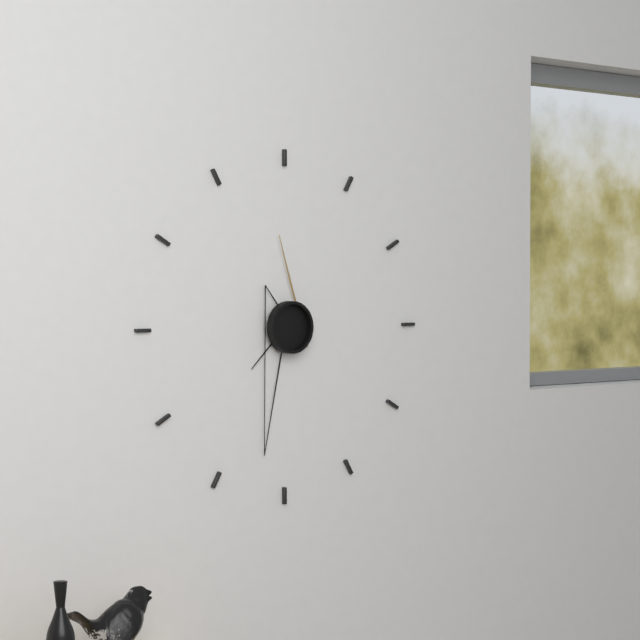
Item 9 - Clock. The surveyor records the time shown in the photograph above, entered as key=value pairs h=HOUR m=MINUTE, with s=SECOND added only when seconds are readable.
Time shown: h=7 m=32 s=59
